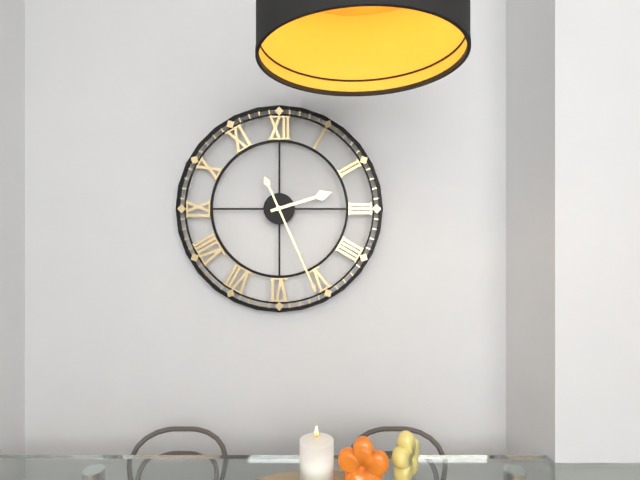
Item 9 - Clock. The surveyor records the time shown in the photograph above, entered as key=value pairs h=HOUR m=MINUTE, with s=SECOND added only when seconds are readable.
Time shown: h=2 m=26
